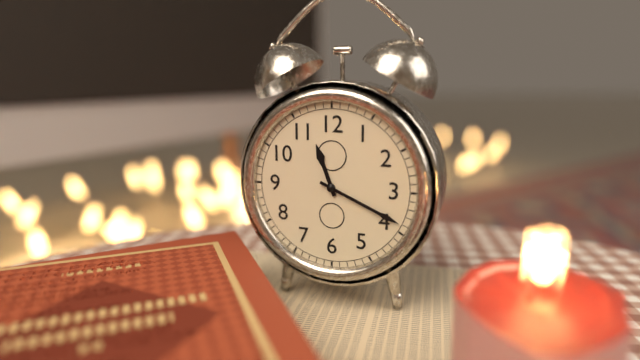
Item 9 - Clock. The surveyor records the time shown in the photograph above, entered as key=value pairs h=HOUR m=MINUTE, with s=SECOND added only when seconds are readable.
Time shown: h=11 m=19
